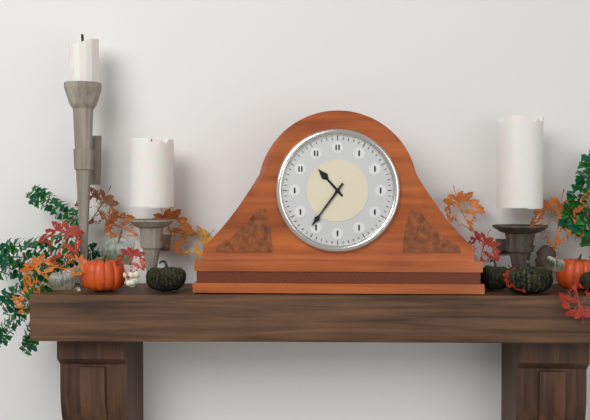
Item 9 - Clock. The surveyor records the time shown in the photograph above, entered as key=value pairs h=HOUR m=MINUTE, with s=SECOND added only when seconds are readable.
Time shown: h=10 m=36
